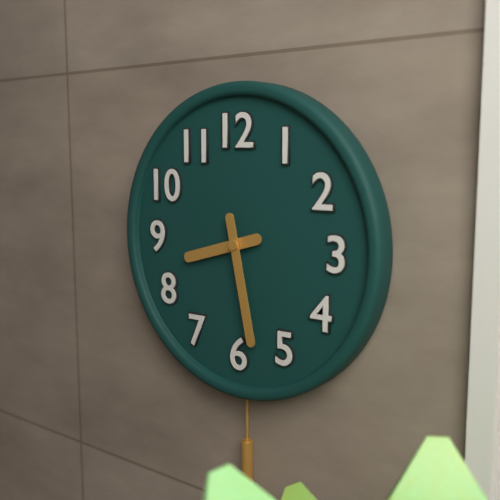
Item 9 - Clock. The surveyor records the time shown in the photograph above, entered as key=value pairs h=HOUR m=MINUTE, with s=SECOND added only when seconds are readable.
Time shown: h=8 m=28
